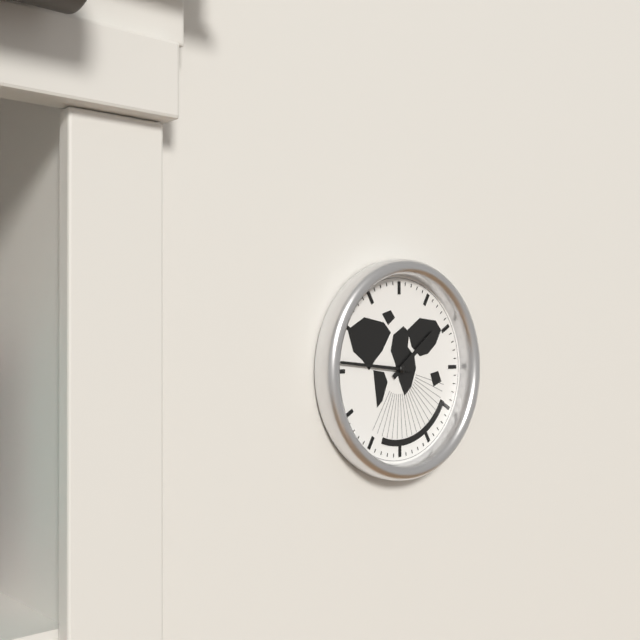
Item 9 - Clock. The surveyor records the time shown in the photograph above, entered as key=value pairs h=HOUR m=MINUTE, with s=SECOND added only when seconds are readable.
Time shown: h=1 m=46
